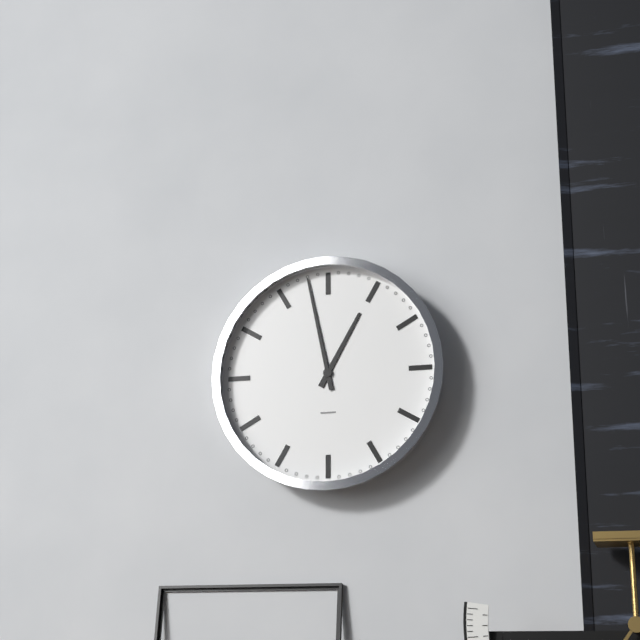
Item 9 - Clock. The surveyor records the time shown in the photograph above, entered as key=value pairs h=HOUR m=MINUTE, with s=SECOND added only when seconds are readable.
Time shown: h=12 m=58
